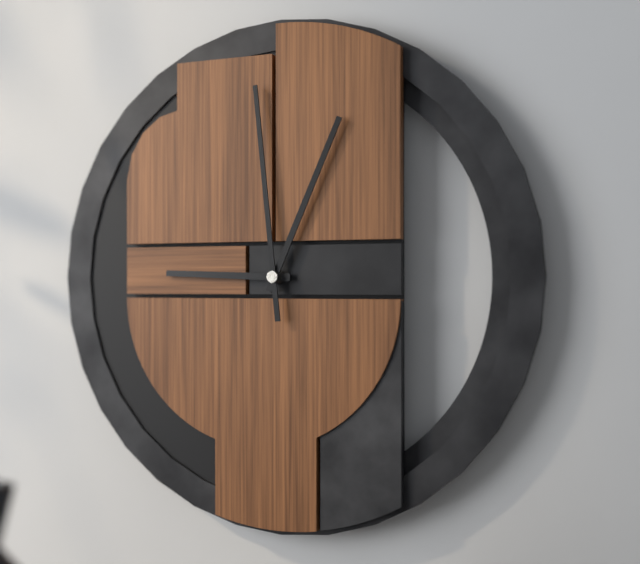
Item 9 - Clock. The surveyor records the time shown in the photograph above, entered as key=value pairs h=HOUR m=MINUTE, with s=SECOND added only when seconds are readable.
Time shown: h=9 m=4 s=59
